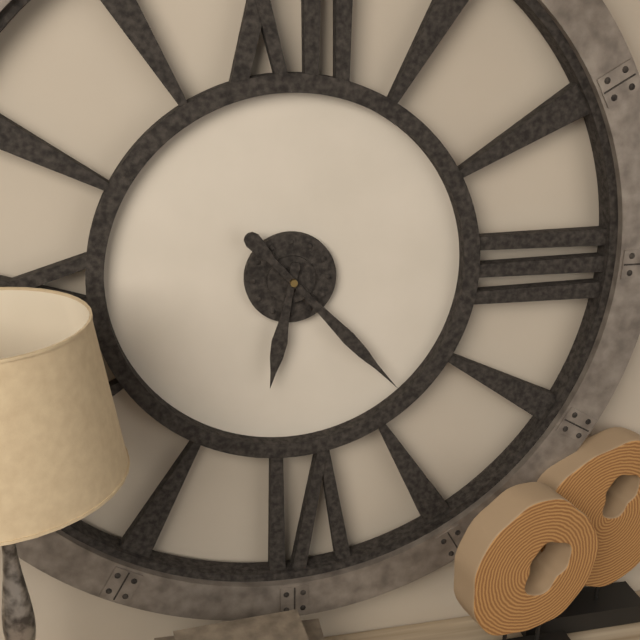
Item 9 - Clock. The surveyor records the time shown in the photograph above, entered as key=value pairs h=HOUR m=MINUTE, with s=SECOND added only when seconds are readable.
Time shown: h=6 m=23
